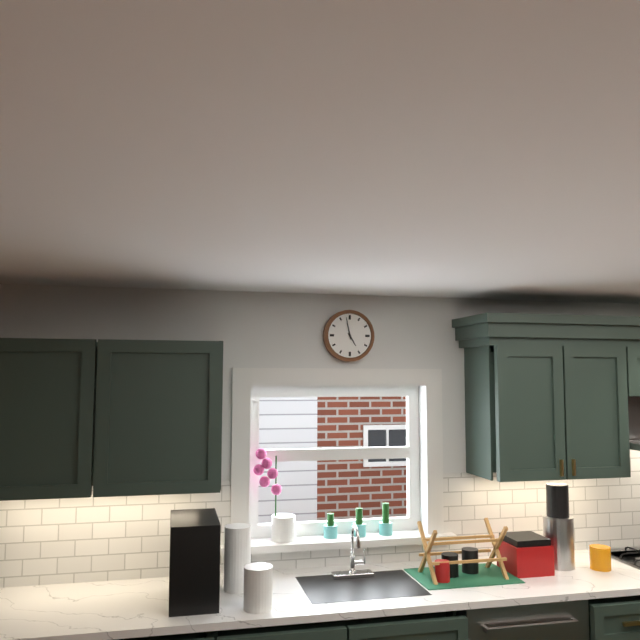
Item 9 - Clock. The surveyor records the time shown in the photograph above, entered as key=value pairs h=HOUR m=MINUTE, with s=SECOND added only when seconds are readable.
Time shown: h=4 m=58
